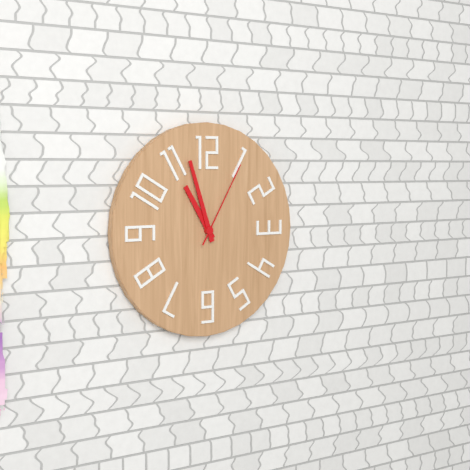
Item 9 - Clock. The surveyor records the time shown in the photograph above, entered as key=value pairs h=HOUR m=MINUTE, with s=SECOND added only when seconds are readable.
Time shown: h=10 m=57 s=5
